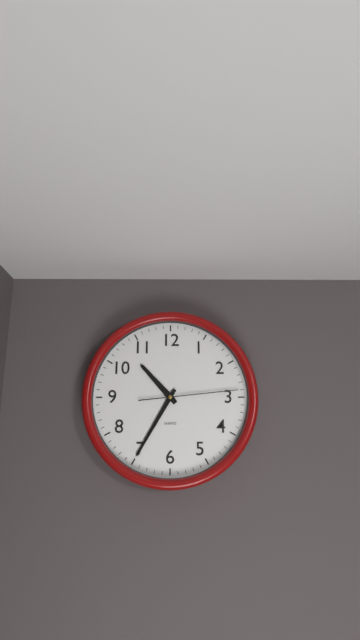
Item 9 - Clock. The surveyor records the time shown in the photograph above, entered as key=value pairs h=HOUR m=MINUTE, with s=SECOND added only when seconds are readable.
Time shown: h=10 m=35 s=14
